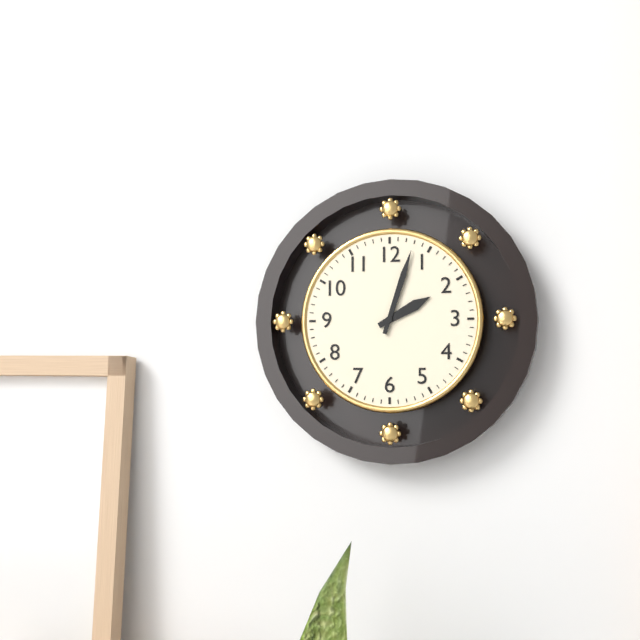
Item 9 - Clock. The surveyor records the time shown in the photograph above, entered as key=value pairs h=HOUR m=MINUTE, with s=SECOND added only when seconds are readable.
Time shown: h=2 m=3
